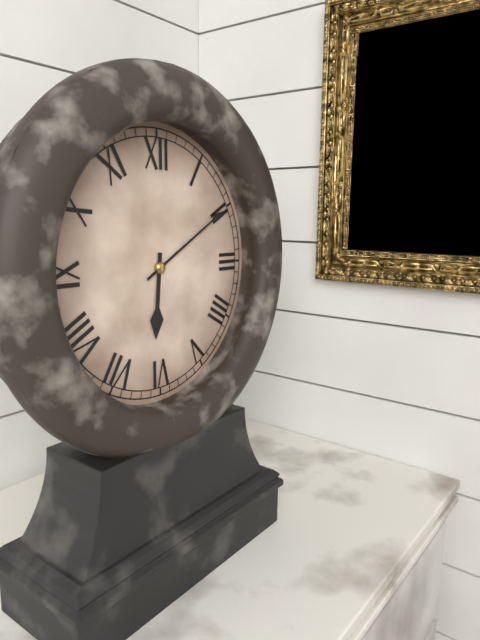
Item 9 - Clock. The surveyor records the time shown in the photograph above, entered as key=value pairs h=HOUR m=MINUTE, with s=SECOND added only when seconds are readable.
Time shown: h=6 m=10
